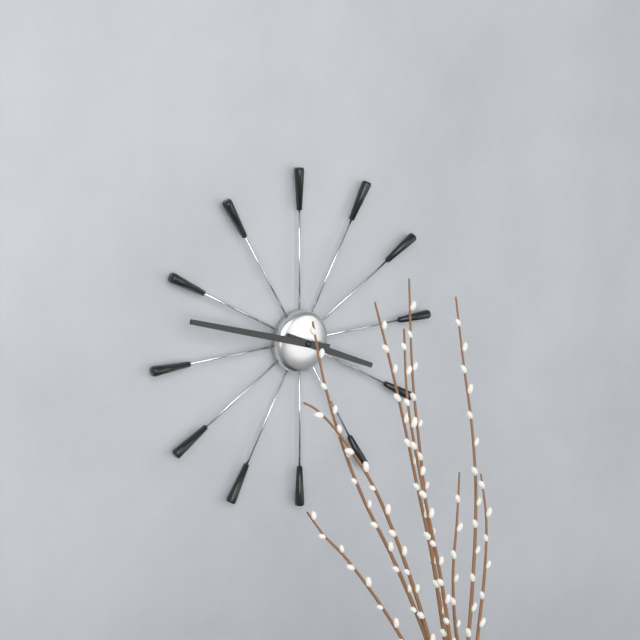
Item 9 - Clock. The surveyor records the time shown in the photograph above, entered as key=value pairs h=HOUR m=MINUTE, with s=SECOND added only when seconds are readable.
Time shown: h=3 m=48
